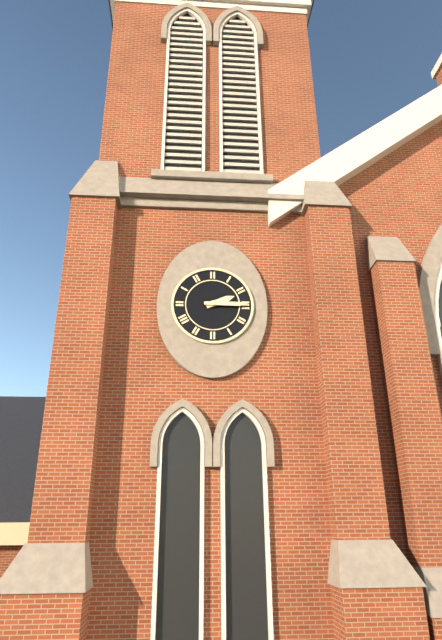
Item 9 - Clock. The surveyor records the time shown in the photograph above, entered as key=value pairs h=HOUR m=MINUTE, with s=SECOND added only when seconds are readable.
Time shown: h=2 m=15
